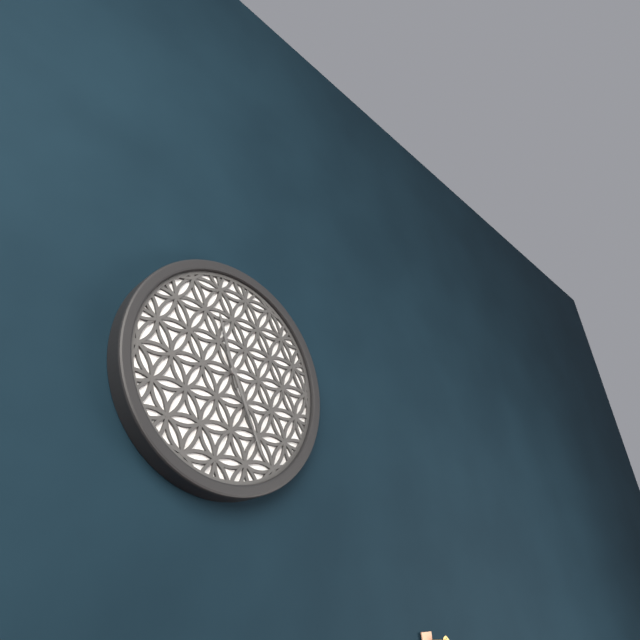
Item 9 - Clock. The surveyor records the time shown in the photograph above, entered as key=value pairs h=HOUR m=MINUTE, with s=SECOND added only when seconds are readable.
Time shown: h=11 m=26
